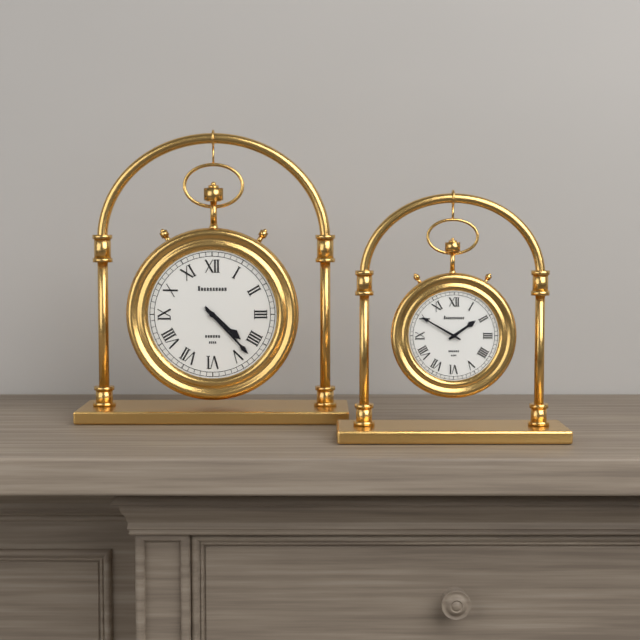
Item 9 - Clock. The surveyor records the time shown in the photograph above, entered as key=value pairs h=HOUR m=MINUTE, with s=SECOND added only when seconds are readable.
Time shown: h=4 m=23
